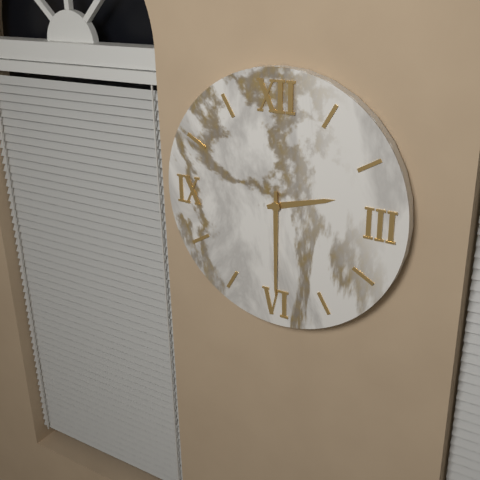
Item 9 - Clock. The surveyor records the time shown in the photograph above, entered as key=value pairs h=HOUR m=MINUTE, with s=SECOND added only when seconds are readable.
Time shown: h=2 m=30
